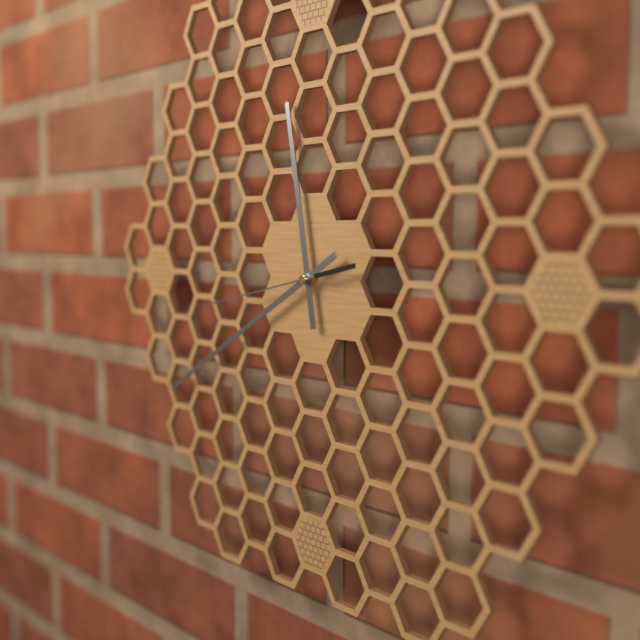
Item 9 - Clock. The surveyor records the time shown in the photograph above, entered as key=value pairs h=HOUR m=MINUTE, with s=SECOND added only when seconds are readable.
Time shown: h=11 m=40 s=43
